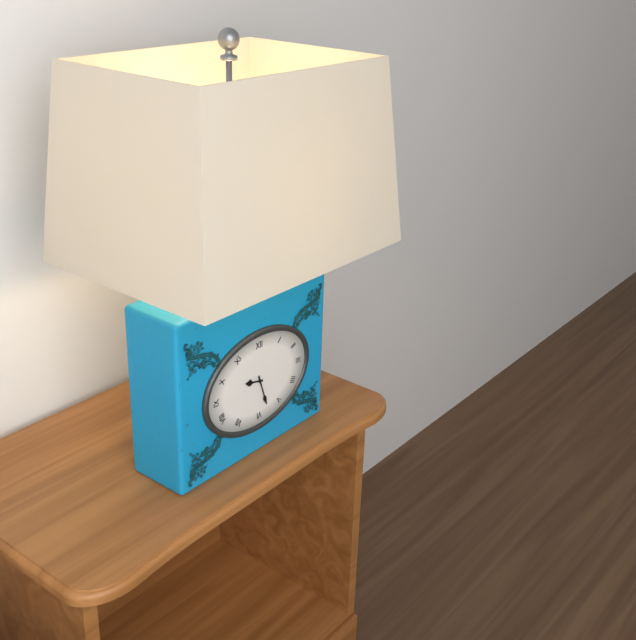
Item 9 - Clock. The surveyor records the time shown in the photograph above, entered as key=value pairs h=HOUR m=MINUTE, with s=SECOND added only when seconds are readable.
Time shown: h=9 m=27
